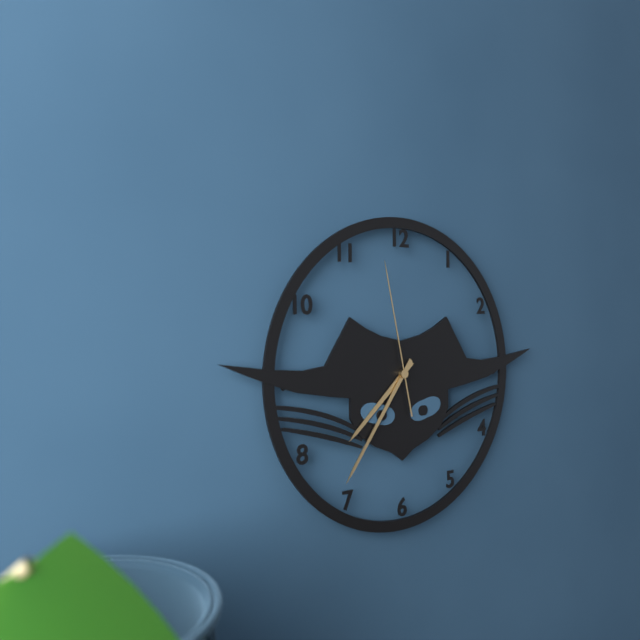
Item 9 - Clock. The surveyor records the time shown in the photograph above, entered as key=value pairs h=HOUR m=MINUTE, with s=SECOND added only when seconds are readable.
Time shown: h=7 m=36 s=58
